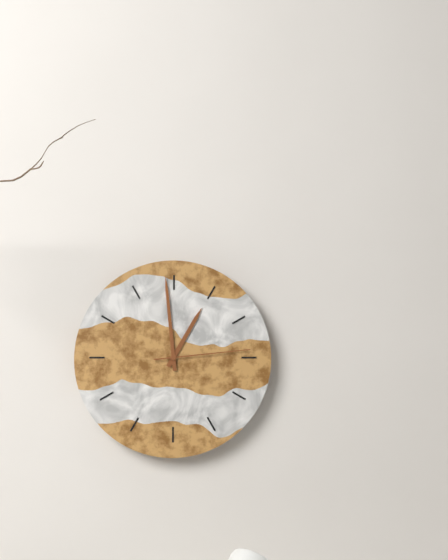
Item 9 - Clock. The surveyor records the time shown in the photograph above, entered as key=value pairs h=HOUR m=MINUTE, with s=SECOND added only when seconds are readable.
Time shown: h=12 m=59 s=14
